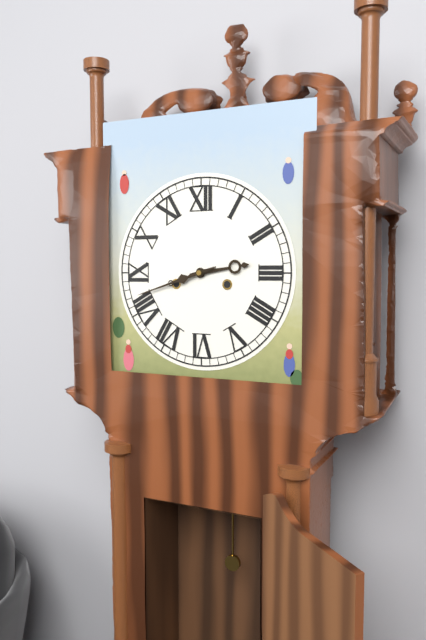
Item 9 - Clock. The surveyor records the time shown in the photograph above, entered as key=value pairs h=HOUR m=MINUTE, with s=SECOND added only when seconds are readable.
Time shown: h=2 m=42
